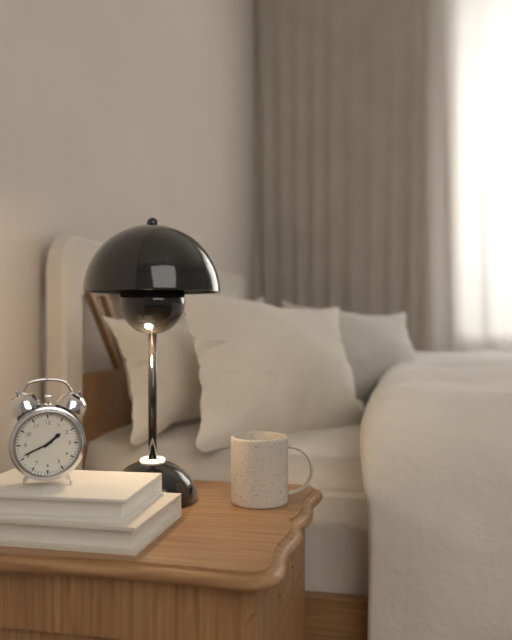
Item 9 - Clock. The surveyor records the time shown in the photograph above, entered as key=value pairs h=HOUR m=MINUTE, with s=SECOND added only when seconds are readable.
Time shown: h=1 m=41
